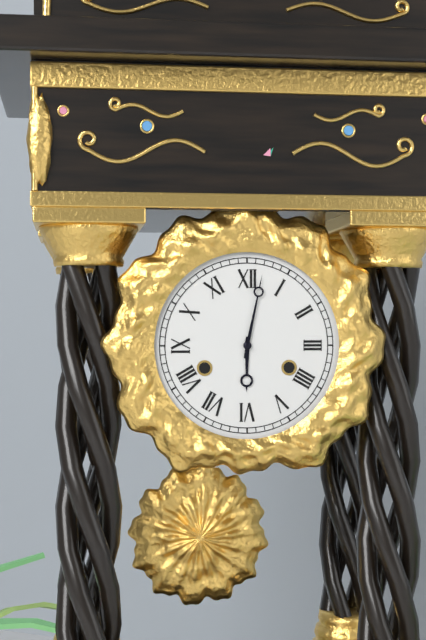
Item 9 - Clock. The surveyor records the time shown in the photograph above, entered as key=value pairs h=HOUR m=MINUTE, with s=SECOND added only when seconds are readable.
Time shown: h=6 m=2
